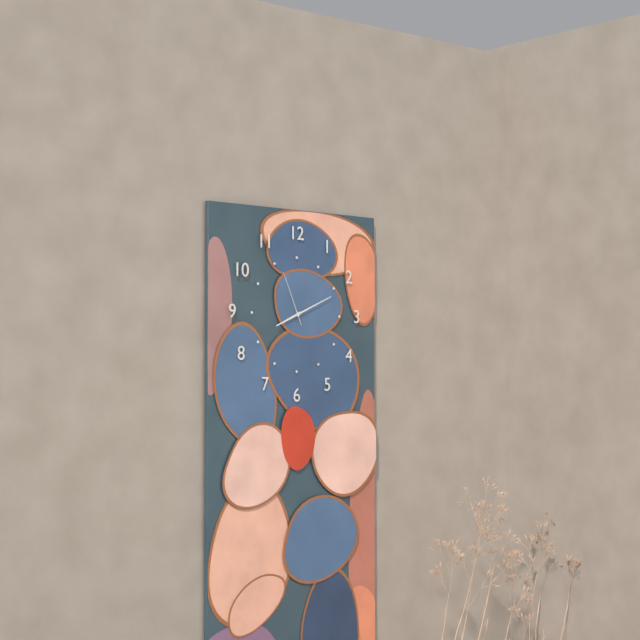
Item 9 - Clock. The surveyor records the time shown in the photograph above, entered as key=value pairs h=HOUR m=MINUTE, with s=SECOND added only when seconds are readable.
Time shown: h=8 m=11 s=56
